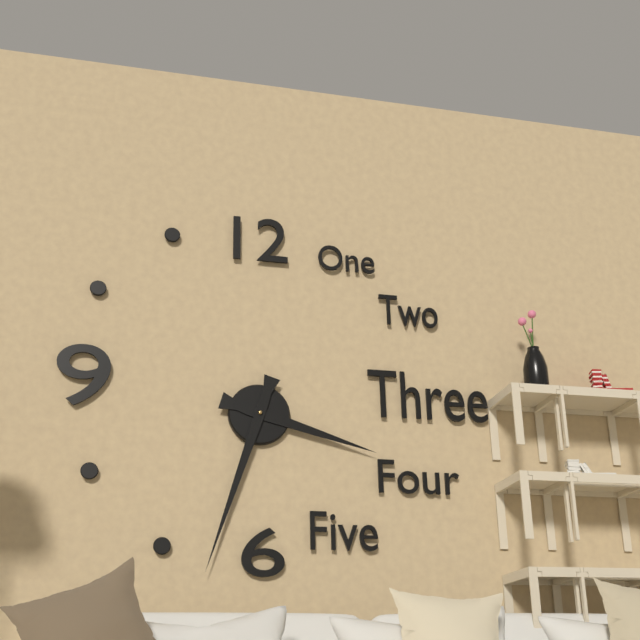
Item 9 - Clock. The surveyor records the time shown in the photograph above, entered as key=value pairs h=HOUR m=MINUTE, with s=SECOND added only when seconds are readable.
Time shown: h=3 m=33
